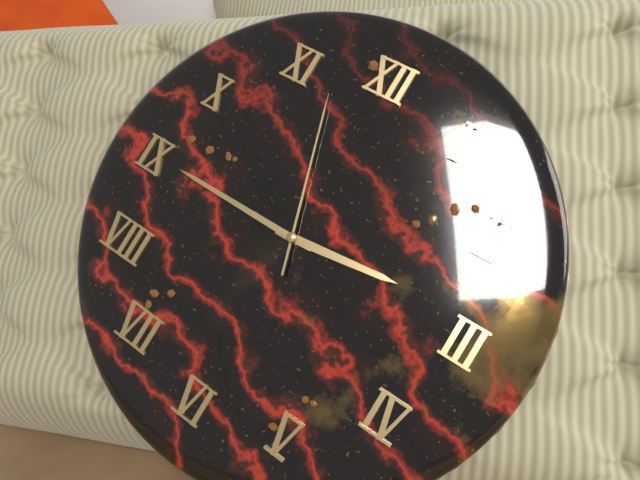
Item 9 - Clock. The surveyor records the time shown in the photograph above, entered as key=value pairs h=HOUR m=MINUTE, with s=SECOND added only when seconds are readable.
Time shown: h=2 m=45 s=57
